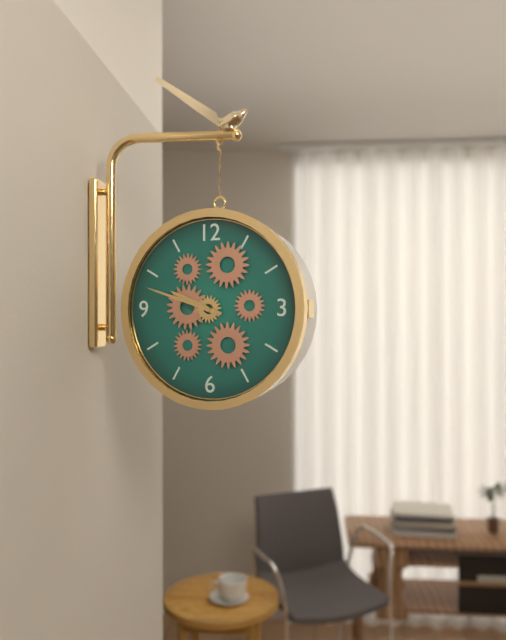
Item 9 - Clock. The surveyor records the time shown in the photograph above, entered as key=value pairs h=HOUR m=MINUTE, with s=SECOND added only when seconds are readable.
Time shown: h=9 m=48
